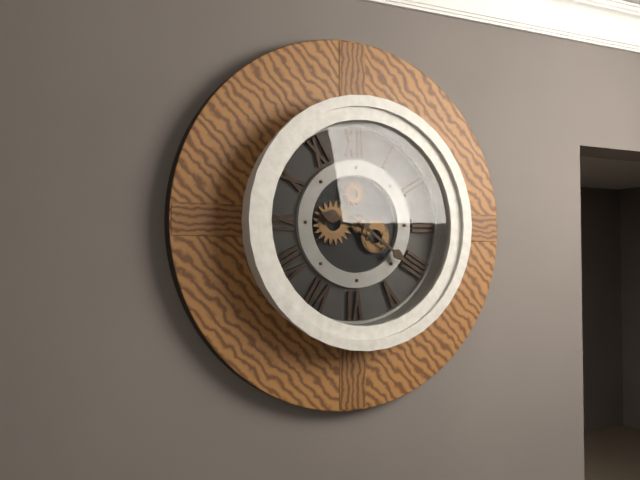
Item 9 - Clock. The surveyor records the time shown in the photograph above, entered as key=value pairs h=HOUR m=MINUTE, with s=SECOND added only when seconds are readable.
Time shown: h=9 m=21
